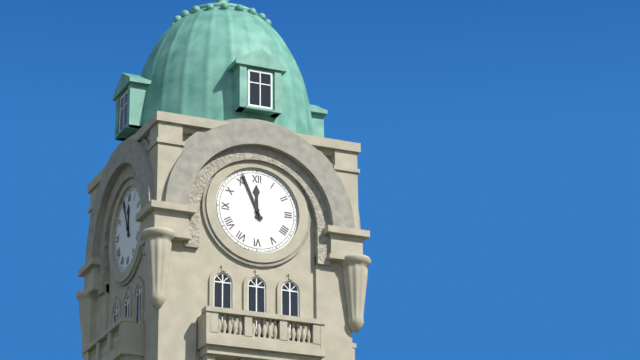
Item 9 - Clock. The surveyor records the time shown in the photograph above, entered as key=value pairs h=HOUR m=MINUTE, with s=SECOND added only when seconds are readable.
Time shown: h=11 m=56
